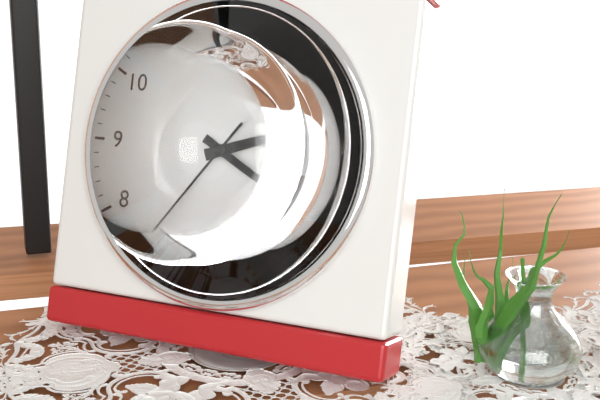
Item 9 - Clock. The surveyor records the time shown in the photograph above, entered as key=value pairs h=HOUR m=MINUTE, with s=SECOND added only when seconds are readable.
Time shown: h=2 m=20 s=36
